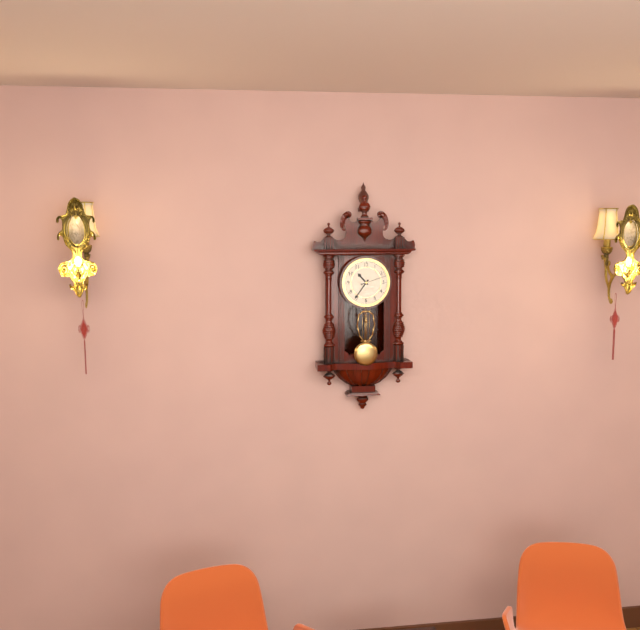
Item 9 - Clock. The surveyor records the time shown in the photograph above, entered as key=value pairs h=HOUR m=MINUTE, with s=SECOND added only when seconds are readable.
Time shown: h=10 m=36
